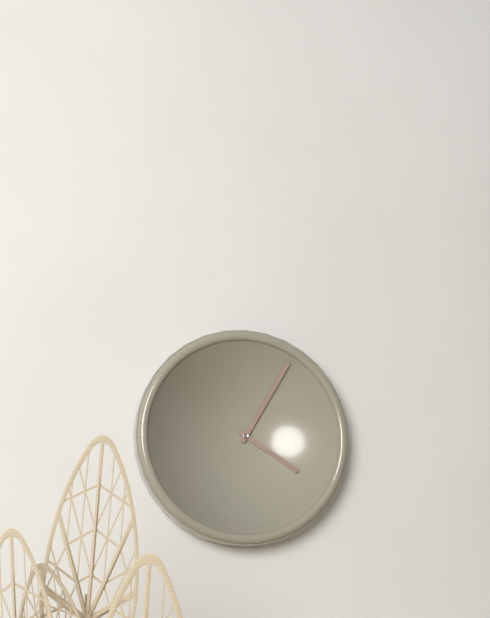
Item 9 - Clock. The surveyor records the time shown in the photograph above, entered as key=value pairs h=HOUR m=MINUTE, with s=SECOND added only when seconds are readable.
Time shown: h=4 m=5
